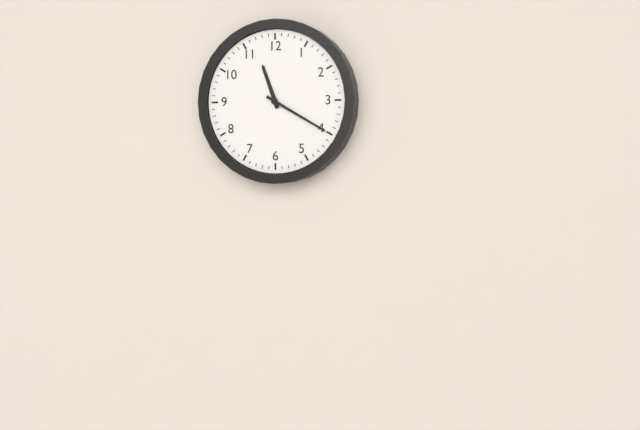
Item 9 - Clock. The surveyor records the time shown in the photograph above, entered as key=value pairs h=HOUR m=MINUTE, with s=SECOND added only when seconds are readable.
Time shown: h=11 m=20
